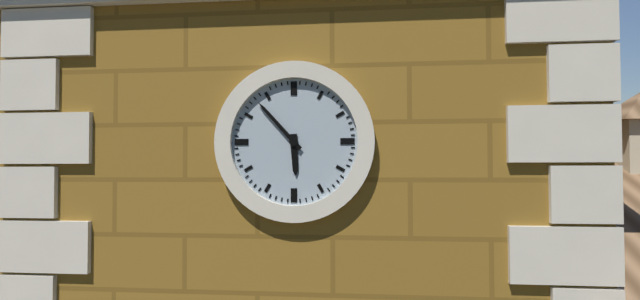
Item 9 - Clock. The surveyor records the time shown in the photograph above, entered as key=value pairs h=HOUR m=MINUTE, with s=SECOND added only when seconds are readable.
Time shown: h=5 m=53
